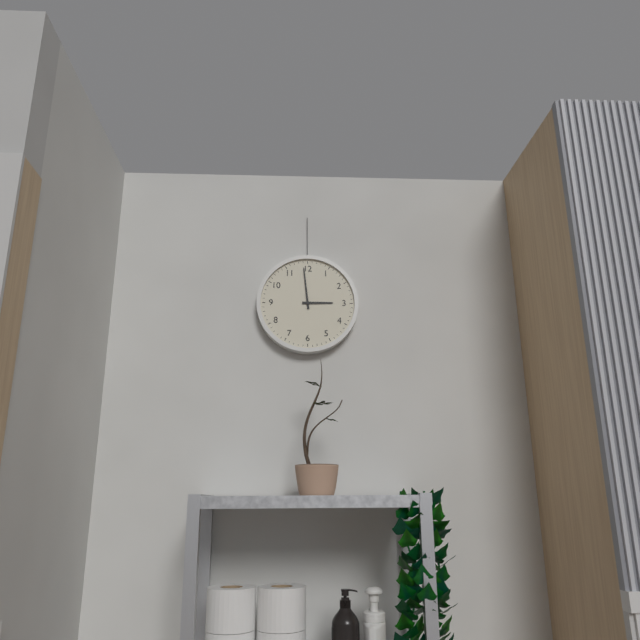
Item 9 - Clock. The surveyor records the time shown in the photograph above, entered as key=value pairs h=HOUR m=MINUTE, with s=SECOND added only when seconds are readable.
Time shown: h=2 m=59
